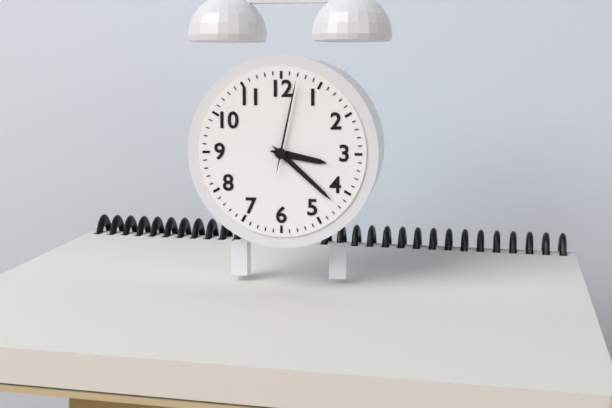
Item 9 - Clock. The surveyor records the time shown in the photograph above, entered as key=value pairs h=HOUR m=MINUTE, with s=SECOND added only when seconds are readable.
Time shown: h=3 m=22 s=2
